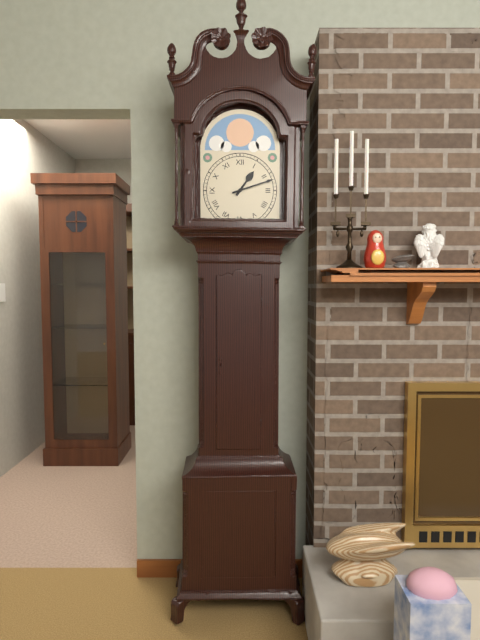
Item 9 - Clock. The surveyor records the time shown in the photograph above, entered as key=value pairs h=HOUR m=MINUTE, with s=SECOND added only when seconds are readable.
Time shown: h=1 m=12
